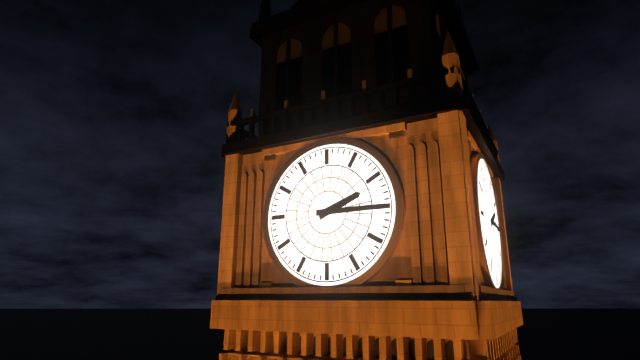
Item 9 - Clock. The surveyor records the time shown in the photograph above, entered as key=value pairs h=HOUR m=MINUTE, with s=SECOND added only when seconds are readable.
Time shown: h=2 m=15
